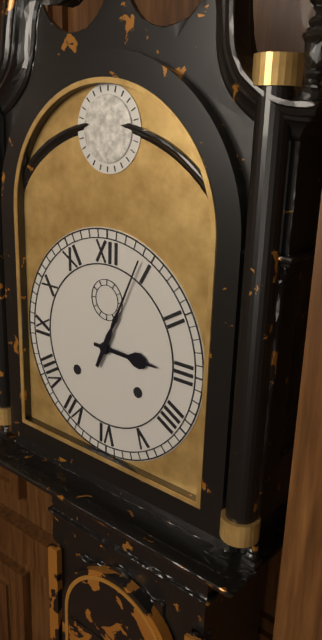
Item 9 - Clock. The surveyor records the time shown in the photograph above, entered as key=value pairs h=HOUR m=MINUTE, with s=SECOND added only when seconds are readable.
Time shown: h=3 m=4
